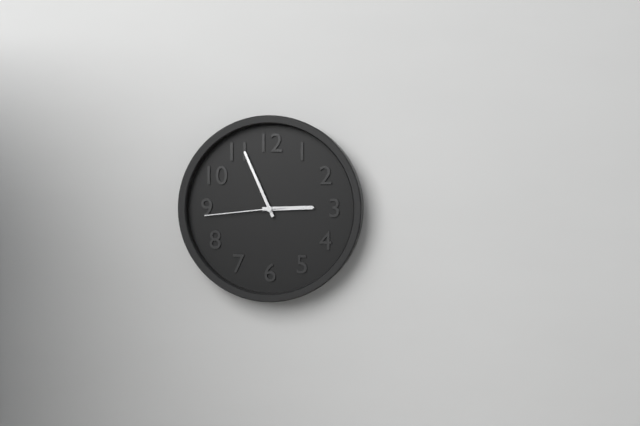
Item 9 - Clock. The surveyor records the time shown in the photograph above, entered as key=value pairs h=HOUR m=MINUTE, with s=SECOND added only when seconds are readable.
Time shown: h=2 m=56 s=44
